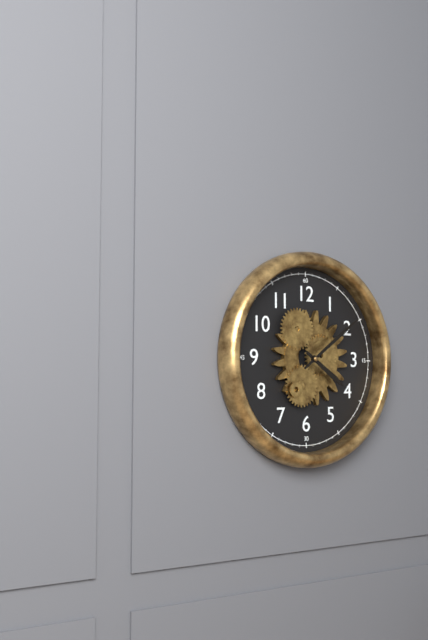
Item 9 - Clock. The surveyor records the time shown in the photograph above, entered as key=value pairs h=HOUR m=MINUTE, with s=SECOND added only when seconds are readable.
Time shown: h=4 m=9
